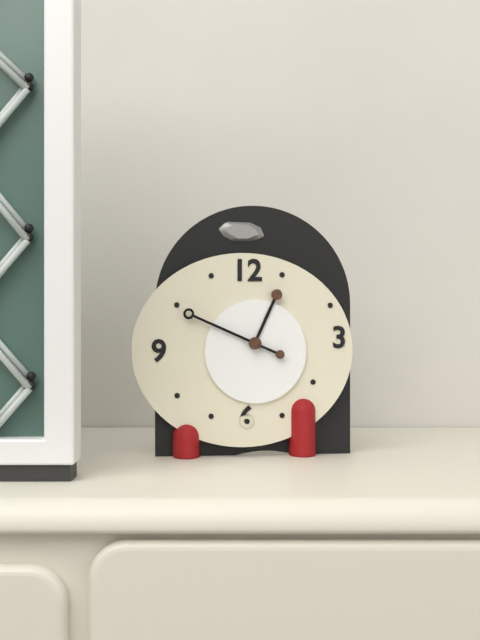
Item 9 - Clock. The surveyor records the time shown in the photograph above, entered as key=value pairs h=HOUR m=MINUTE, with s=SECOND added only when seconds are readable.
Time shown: h=12 m=49
